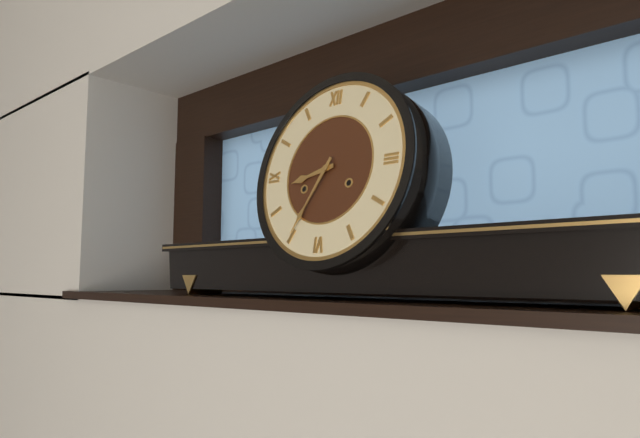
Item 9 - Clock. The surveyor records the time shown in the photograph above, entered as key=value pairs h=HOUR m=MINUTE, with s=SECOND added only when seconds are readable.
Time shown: h=8 m=35
